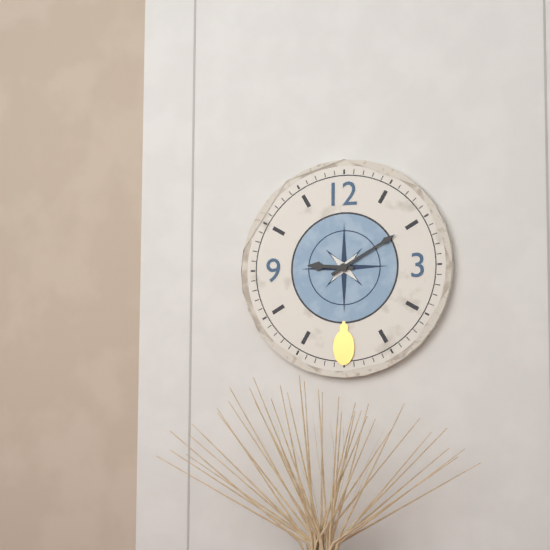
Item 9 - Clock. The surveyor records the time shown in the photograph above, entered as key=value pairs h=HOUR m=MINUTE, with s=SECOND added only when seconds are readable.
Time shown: h=9 m=10
